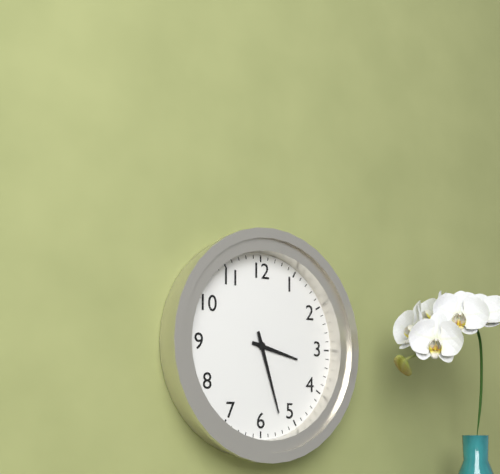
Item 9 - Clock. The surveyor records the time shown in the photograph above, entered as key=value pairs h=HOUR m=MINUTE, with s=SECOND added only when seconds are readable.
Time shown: h=3 m=27
